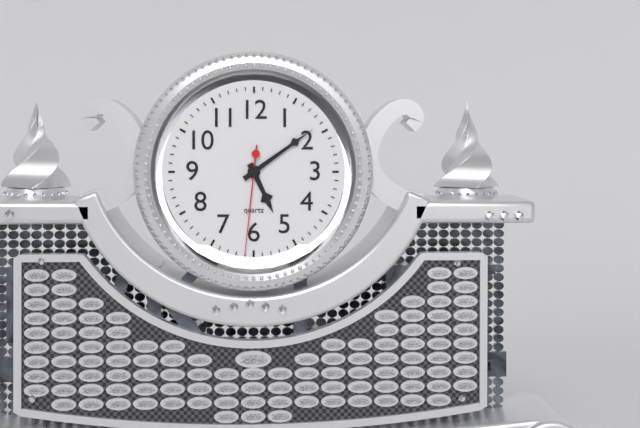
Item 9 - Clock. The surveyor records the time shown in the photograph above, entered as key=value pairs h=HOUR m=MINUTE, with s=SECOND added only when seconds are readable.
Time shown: h=5 m=9 s=31
